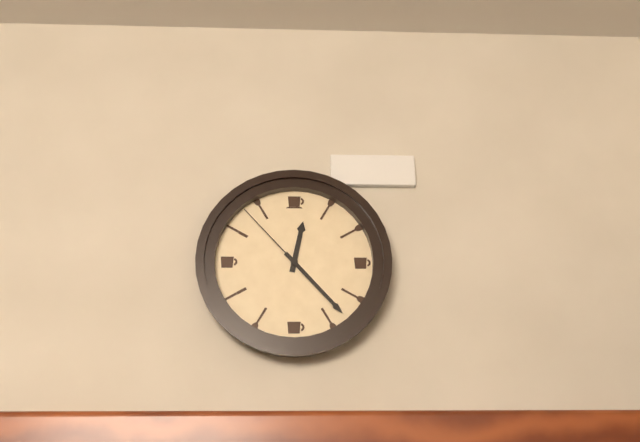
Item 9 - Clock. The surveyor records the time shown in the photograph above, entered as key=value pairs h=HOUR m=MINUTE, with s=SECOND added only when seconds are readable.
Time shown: h=12 m=23 s=53
